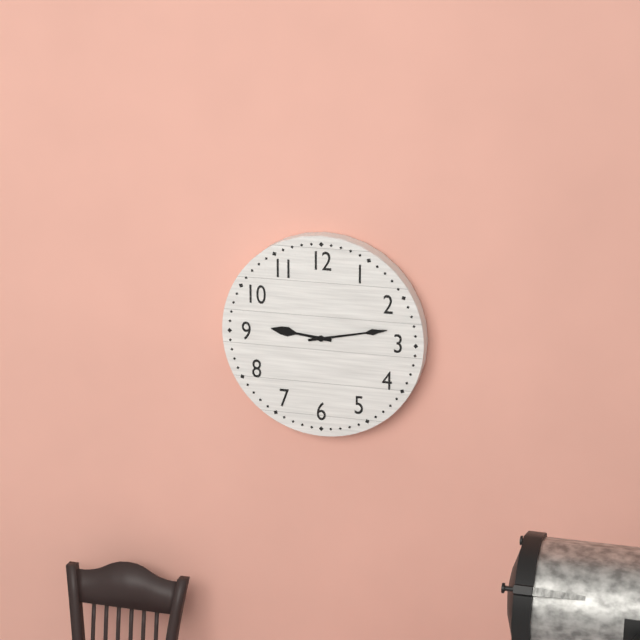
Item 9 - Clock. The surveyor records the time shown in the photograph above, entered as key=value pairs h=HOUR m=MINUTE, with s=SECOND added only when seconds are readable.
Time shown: h=9 m=13
